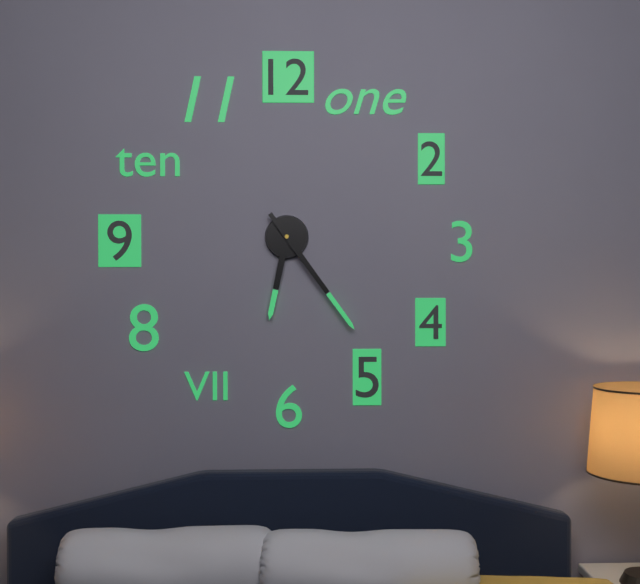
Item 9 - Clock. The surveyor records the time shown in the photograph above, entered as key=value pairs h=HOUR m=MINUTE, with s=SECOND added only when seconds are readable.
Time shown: h=6 m=24
